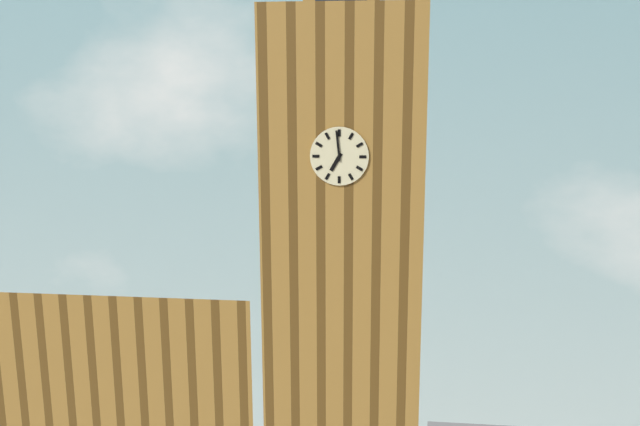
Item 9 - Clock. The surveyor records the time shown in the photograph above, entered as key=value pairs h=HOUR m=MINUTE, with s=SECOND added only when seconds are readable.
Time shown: h=6 m=59
